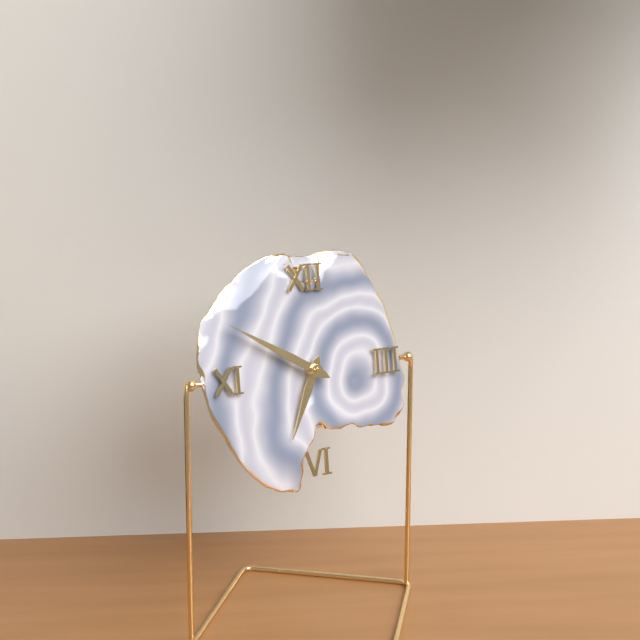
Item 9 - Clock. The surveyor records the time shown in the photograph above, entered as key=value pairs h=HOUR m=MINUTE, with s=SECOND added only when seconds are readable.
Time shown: h=6 m=50
